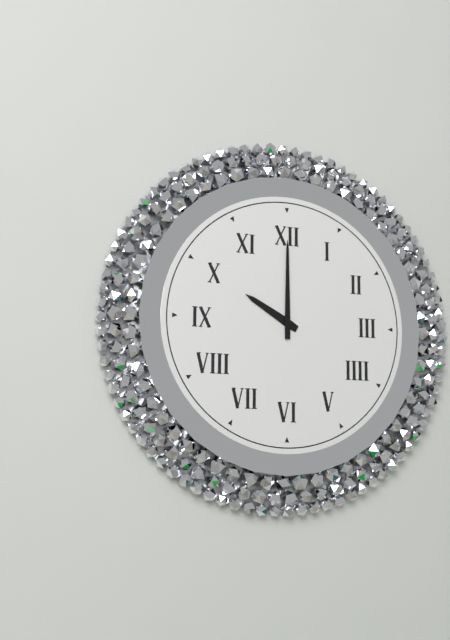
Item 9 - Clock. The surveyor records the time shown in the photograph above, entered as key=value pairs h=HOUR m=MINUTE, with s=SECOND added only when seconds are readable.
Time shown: h=10 m=0
